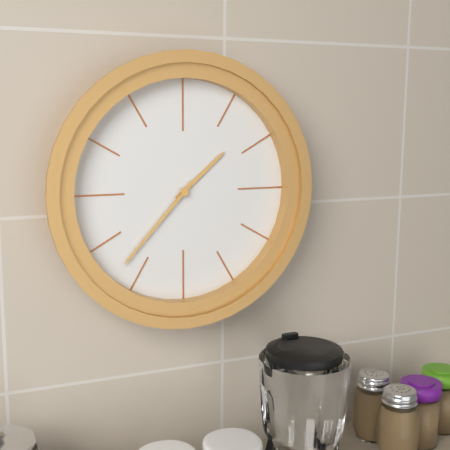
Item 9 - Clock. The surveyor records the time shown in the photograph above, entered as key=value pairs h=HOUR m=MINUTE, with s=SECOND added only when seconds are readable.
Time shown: h=1 m=37
